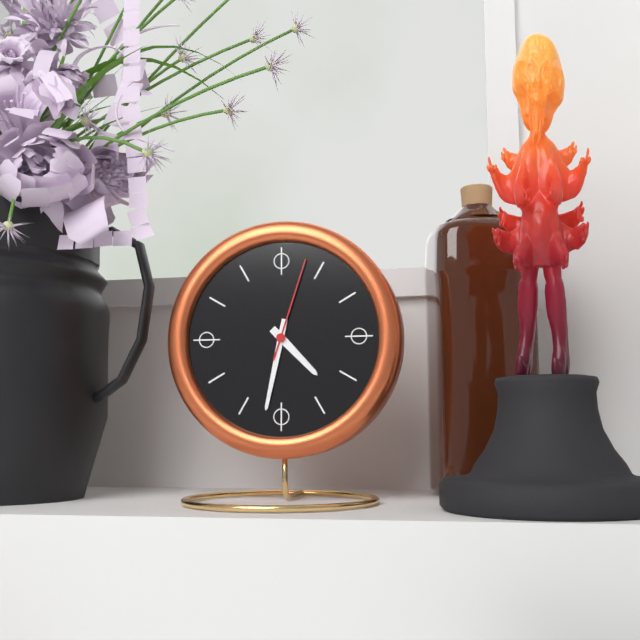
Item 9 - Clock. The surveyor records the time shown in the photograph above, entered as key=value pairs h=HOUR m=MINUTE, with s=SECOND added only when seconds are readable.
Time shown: h=4 m=32 s=3
